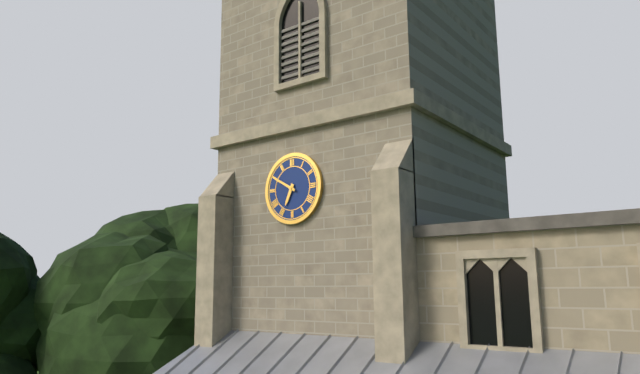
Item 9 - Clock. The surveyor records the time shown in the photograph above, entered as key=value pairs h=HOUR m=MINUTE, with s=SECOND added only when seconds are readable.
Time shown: h=6 m=50
